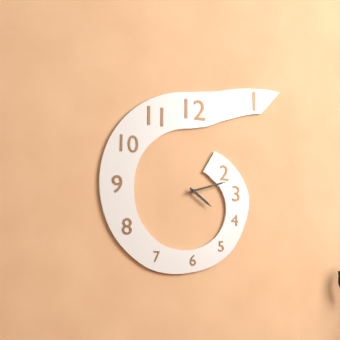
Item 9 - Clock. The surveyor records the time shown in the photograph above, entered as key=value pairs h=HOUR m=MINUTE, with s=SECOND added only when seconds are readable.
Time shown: h=4 m=12
